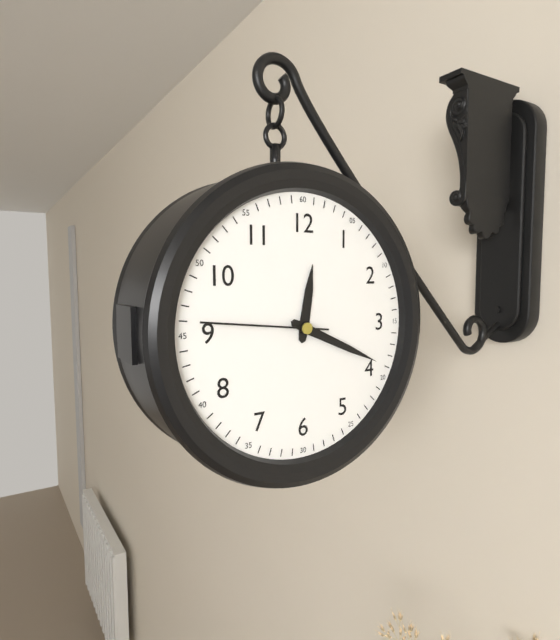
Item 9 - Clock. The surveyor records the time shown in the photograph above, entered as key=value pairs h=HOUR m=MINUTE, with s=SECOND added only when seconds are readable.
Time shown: h=12 m=19 s=46
